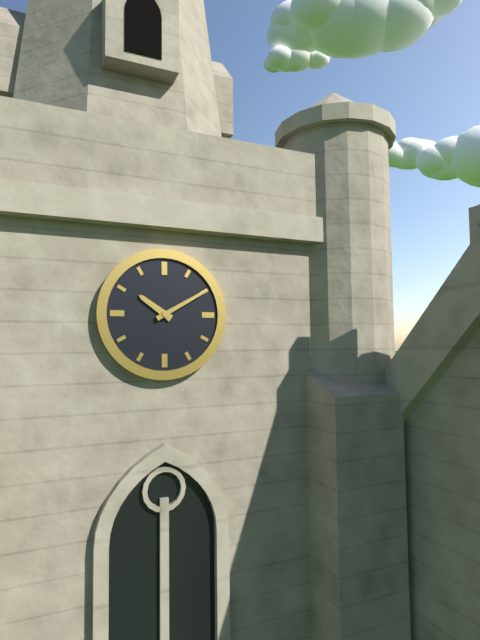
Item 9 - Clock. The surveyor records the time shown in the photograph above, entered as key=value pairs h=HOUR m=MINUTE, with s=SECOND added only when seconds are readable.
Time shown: h=10 m=10
